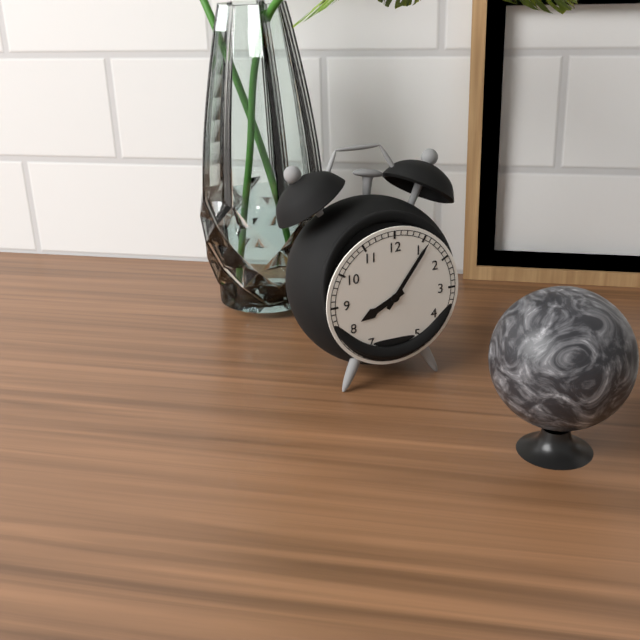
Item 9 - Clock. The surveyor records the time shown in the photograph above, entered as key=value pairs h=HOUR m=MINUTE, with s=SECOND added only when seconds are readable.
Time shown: h=8 m=6
